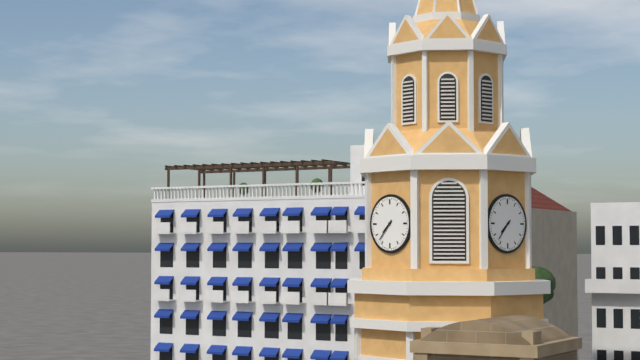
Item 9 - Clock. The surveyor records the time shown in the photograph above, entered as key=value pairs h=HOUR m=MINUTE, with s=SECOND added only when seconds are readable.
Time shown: h=7 m=37
